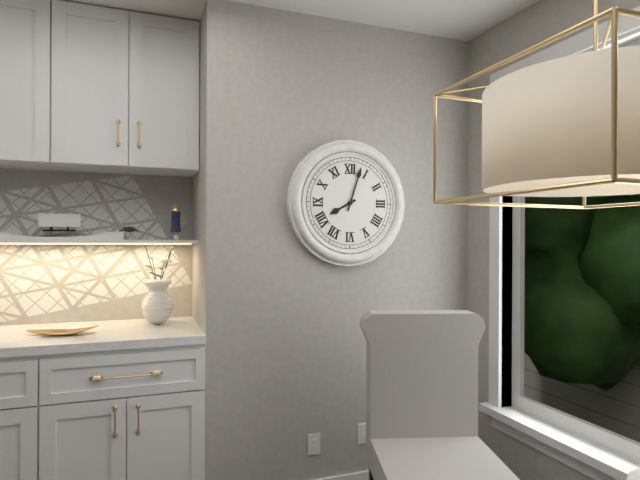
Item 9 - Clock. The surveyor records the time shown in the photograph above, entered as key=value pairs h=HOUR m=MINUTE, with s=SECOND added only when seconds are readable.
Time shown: h=8 m=3
